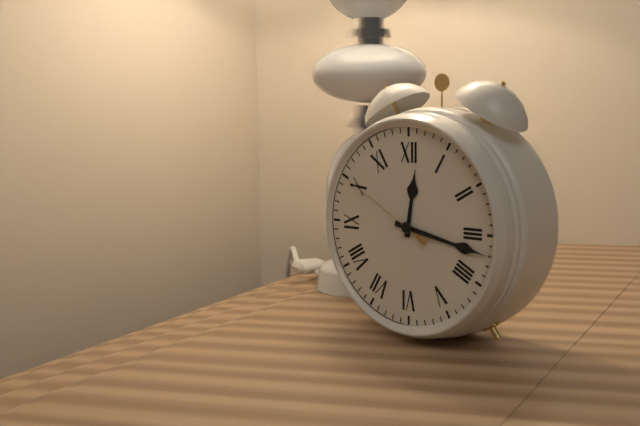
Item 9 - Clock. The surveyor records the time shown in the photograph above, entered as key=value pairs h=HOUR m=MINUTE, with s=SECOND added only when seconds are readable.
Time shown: h=12 m=17 s=50
